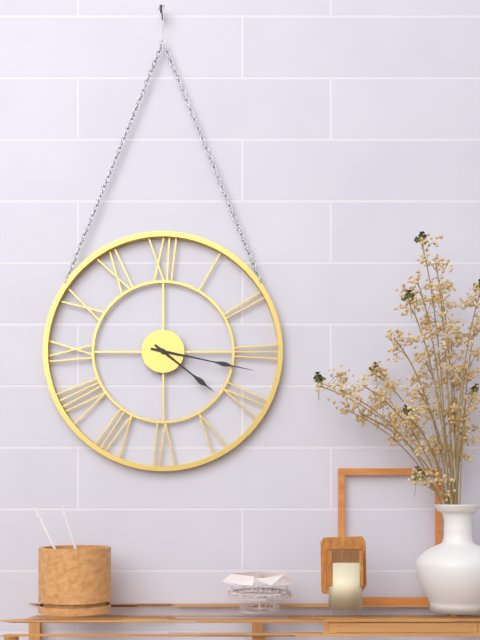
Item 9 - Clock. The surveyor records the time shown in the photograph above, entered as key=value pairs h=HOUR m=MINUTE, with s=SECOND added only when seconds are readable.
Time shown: h=4 m=17
